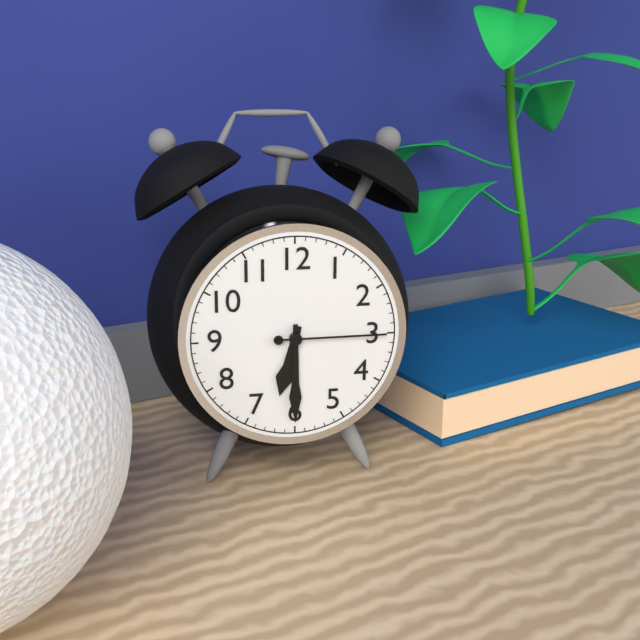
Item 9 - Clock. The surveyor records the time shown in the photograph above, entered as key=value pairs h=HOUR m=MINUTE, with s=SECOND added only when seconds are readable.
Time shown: h=6 m=30 s=15
